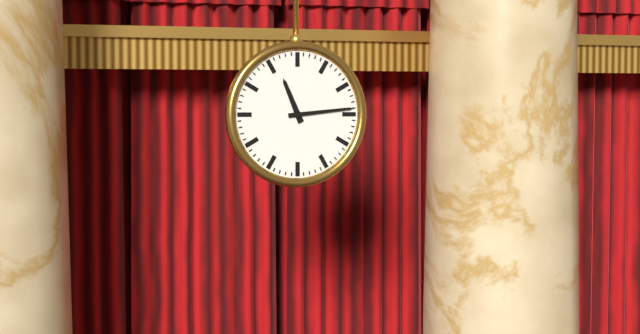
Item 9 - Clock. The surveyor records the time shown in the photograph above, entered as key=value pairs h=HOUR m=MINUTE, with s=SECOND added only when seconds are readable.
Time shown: h=11 m=14
